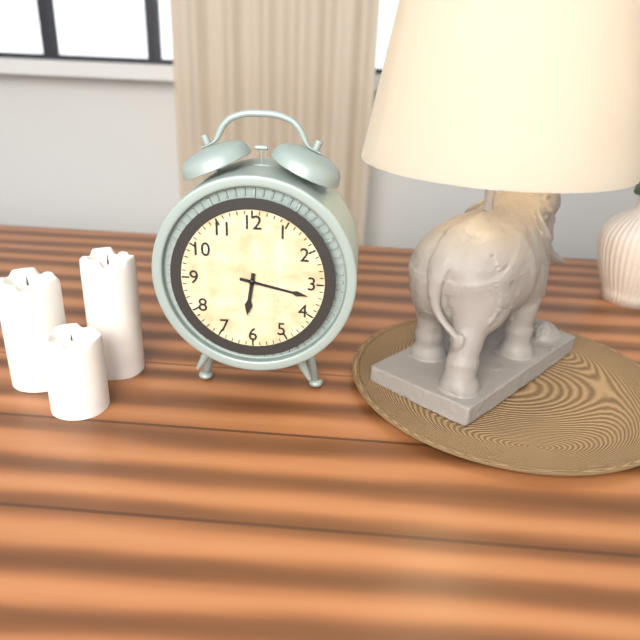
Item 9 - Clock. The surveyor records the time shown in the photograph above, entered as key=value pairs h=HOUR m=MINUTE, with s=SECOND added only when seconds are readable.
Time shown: h=6 m=17
